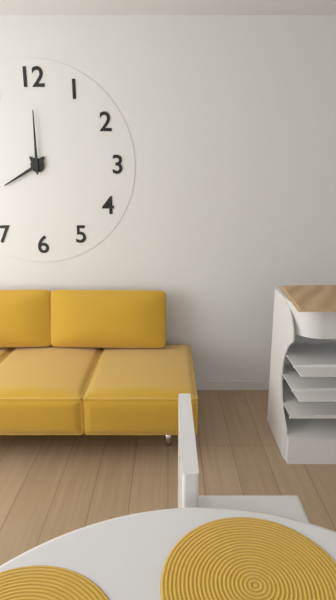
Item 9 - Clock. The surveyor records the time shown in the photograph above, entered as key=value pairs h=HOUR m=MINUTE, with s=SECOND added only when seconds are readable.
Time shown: h=8 m=0
